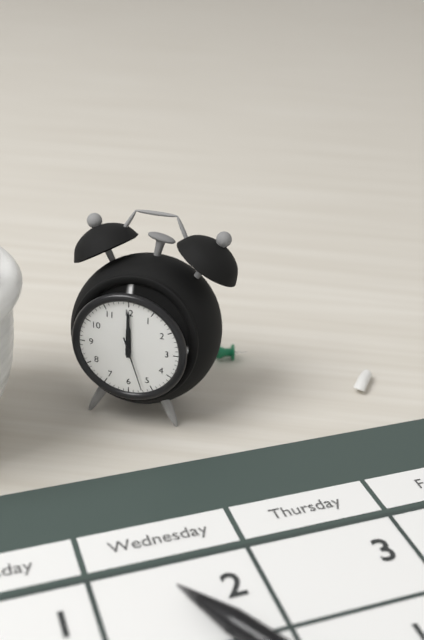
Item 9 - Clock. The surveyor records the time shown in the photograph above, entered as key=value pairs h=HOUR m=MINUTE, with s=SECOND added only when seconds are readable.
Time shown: h=12 m=0 s=27
